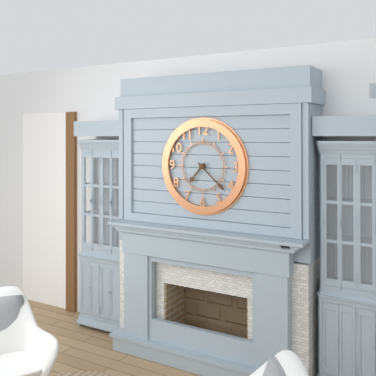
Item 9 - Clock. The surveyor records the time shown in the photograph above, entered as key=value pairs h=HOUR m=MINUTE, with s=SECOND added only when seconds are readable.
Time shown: h=7 m=22
